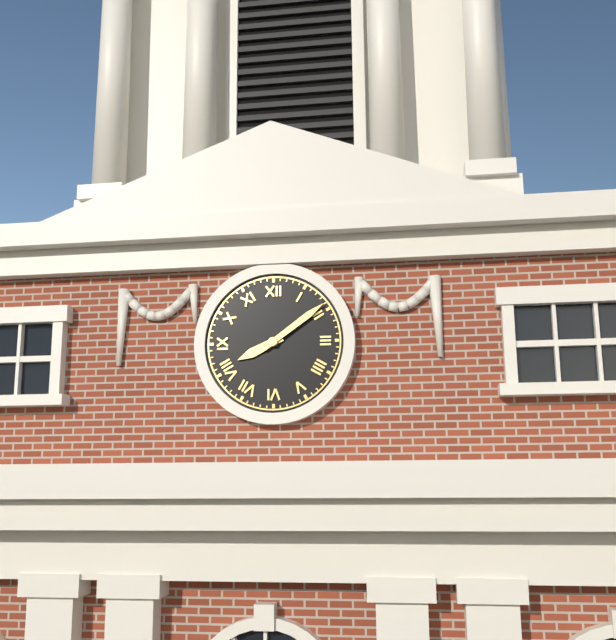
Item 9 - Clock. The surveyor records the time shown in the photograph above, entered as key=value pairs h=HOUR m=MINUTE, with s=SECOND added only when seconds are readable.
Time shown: h=8 m=9
